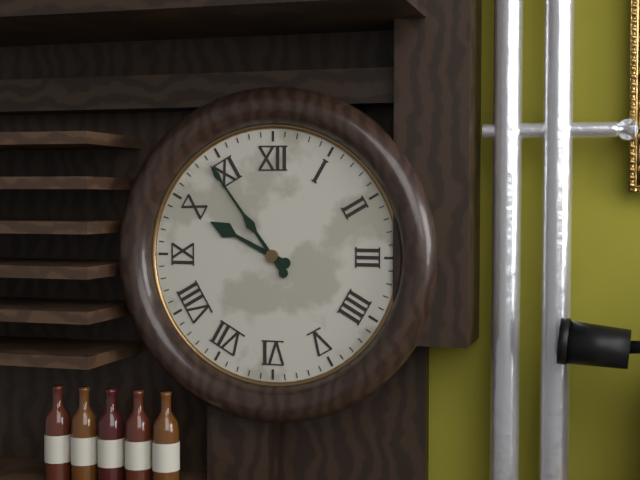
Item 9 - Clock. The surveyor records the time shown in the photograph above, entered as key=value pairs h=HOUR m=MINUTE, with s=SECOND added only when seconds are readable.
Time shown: h=9 m=54
